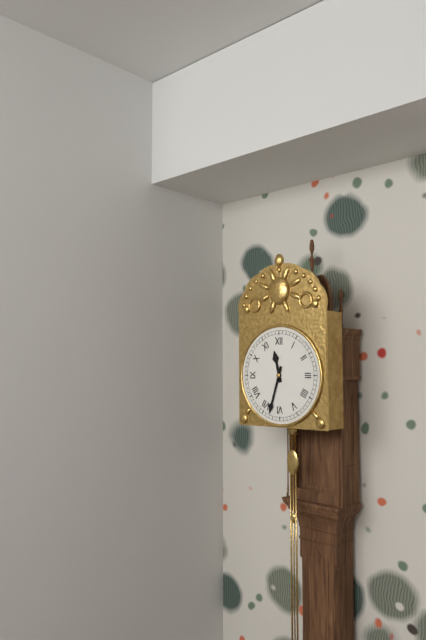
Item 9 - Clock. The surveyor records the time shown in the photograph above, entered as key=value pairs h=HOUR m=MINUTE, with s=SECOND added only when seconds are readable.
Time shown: h=11 m=33
